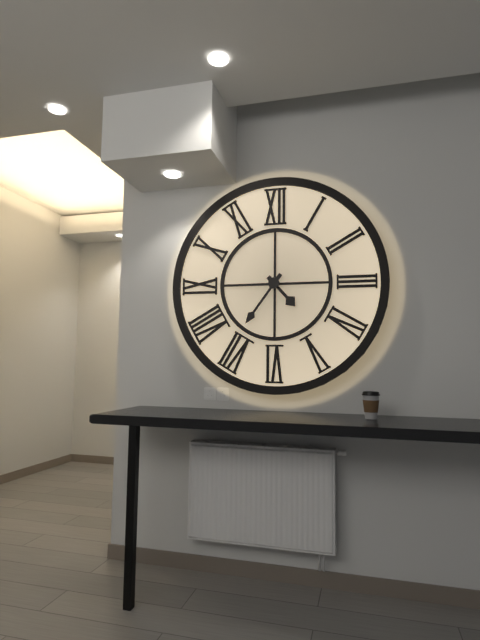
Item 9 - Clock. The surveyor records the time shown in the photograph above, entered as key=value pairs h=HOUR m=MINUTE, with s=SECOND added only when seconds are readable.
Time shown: h=4 m=36
